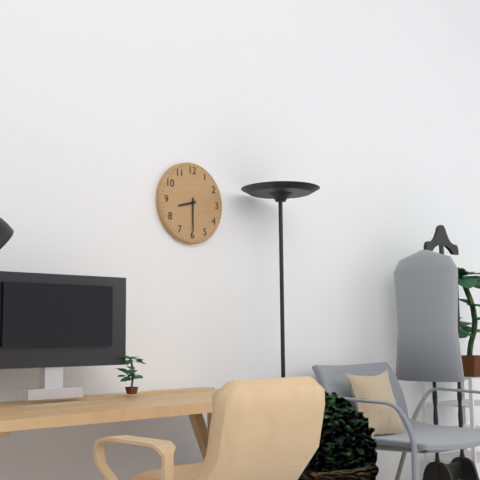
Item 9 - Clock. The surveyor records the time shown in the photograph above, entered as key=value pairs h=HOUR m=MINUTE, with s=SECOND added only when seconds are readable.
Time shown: h=8 m=30
